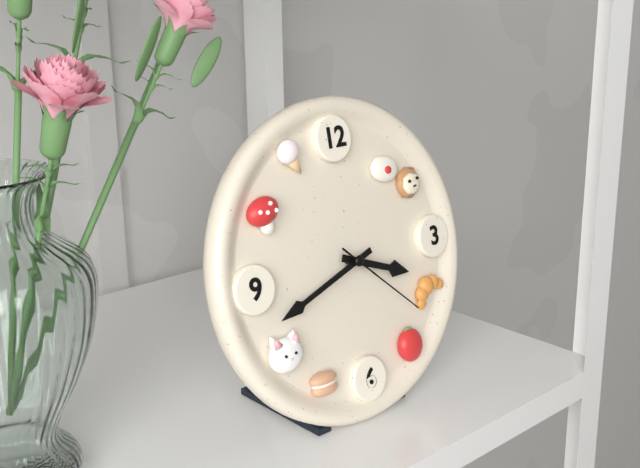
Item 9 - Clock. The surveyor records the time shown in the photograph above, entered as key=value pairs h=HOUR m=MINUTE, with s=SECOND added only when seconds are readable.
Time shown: h=3 m=42 s=22
